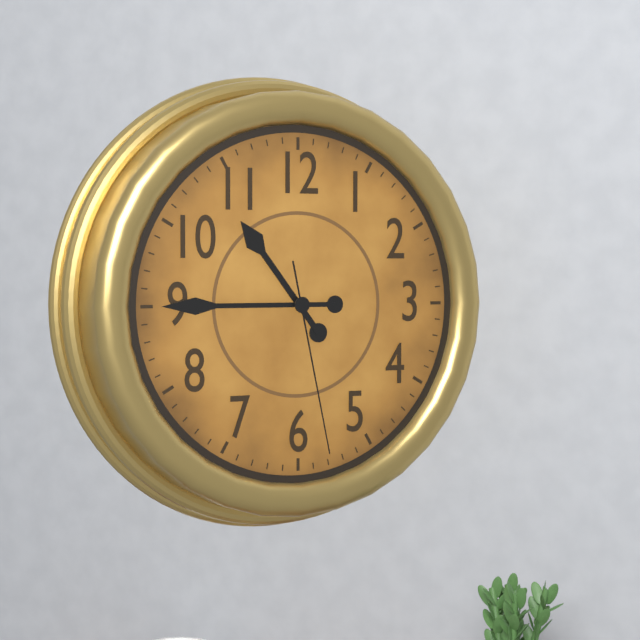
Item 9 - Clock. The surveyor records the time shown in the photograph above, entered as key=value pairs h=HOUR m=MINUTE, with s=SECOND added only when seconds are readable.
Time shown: h=10 m=45 s=28
